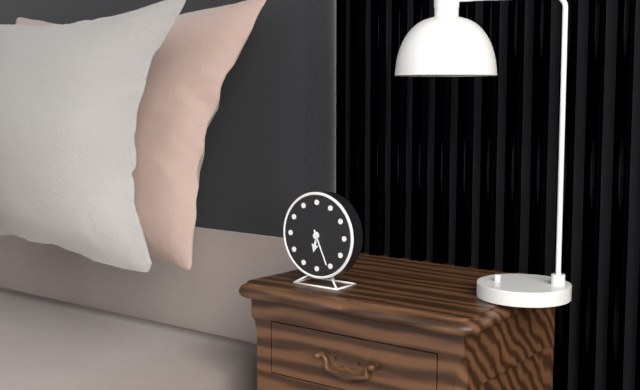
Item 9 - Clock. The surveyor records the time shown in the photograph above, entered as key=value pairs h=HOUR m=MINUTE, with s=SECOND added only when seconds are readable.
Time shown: h=6 m=26
